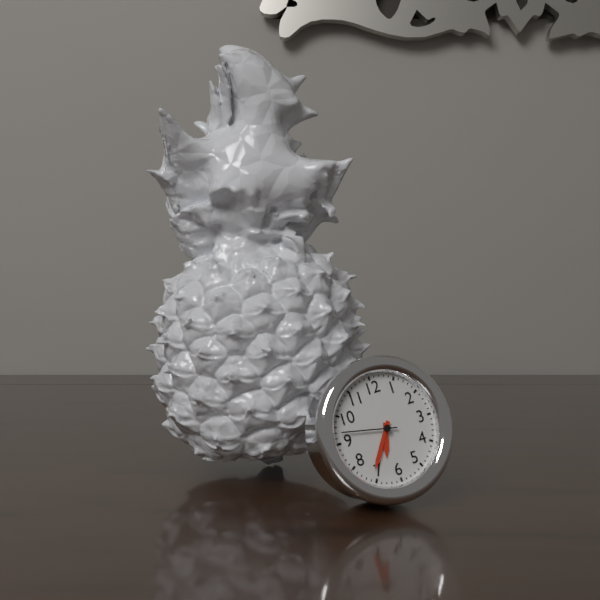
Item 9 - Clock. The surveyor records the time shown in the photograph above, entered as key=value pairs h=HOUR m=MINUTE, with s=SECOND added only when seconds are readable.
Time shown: h=6 m=36 s=47
